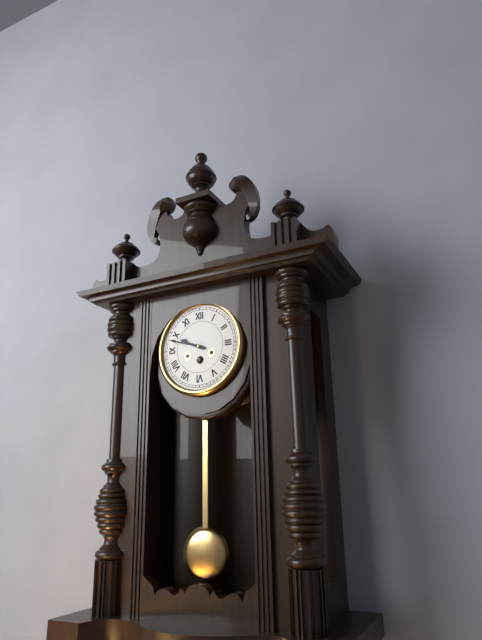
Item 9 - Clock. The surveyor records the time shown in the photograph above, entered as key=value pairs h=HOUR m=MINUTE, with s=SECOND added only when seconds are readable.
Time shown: h=9 m=48
